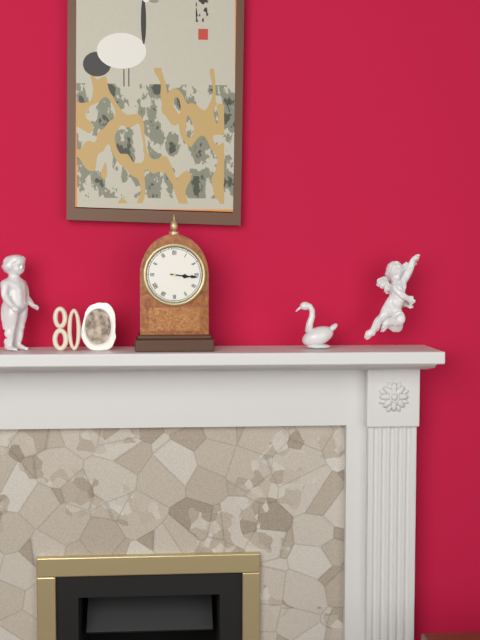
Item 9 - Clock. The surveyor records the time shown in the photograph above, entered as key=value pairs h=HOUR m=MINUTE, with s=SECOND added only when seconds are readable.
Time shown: h=3 m=16
